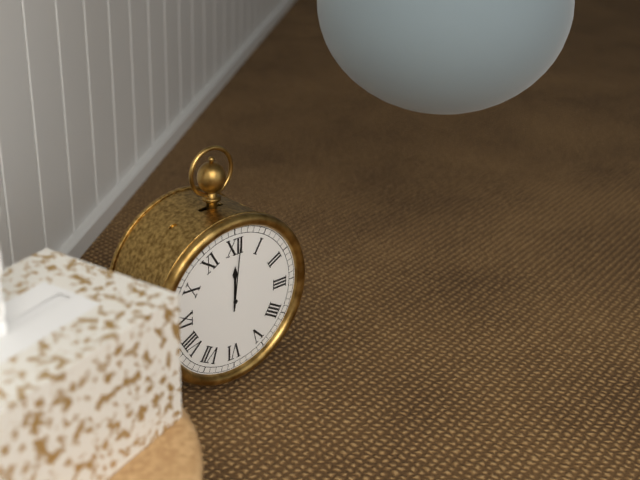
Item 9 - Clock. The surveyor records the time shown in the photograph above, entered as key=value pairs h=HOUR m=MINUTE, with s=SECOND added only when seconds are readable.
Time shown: h=12 m=1
